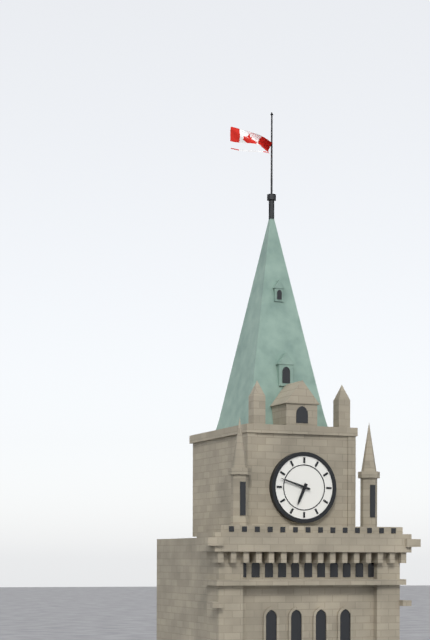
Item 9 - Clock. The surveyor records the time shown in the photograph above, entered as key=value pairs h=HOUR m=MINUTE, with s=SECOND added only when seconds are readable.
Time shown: h=6 m=48
